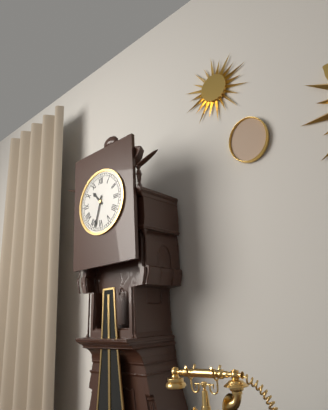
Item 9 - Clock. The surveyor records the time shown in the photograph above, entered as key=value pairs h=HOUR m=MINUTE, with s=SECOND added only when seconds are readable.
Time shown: h=10 m=33
